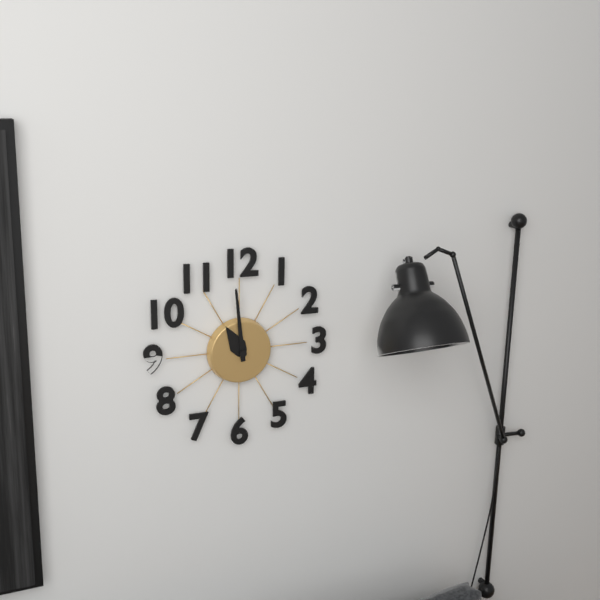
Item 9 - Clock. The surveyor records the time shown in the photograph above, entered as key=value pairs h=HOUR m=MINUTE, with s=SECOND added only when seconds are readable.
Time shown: h=10 m=59
